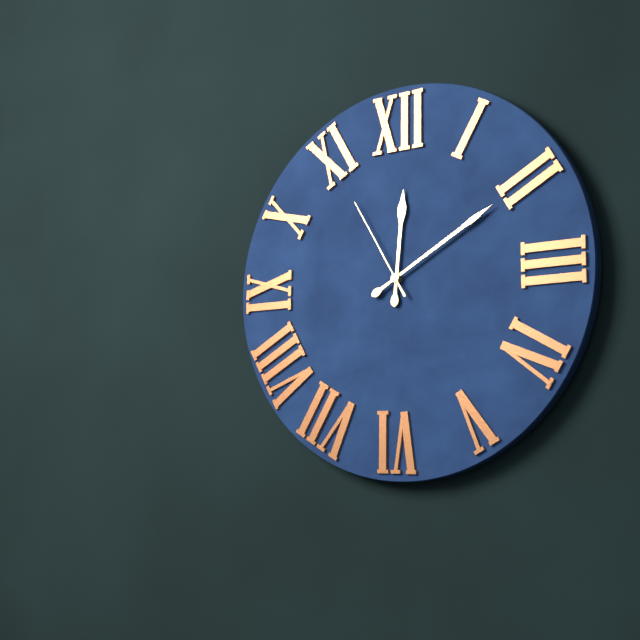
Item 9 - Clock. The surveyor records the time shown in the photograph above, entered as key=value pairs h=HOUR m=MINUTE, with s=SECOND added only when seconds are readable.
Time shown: h=12 m=10 s=55
